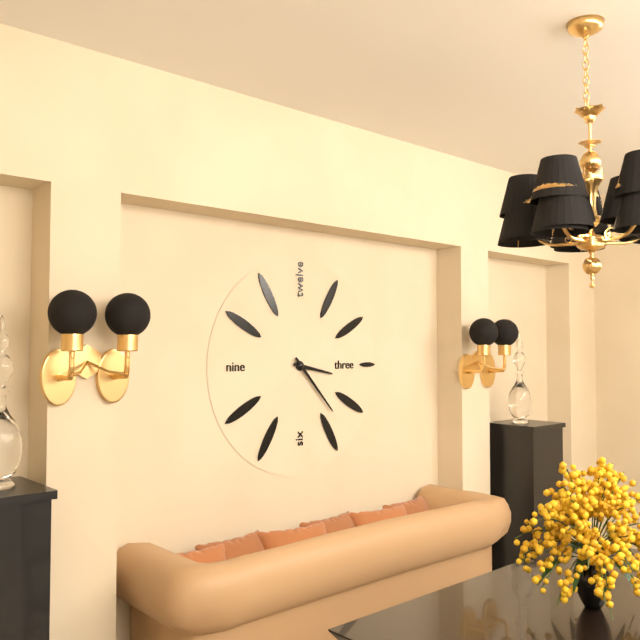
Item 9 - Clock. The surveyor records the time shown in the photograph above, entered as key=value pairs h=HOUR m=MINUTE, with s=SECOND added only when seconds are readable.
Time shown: h=3 m=23
